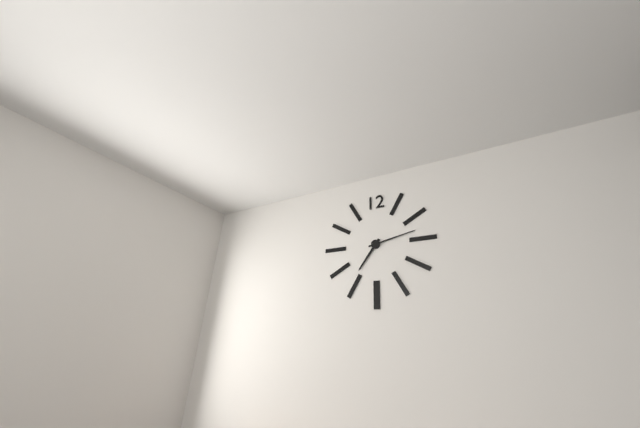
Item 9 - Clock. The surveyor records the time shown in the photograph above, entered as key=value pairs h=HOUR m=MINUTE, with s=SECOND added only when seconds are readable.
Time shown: h=7 m=13
